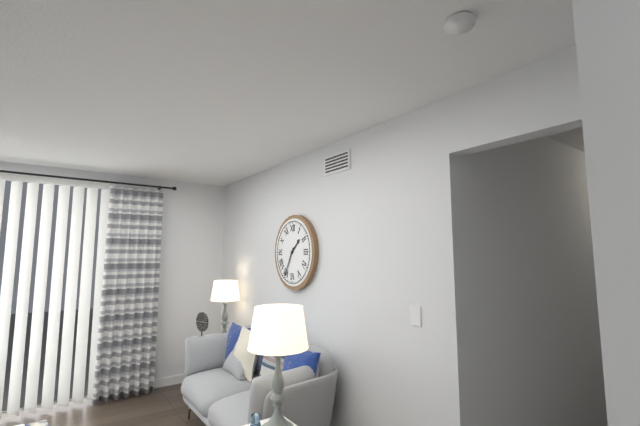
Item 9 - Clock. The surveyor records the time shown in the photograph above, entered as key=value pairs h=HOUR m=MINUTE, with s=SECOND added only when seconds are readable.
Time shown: h=1 m=35
